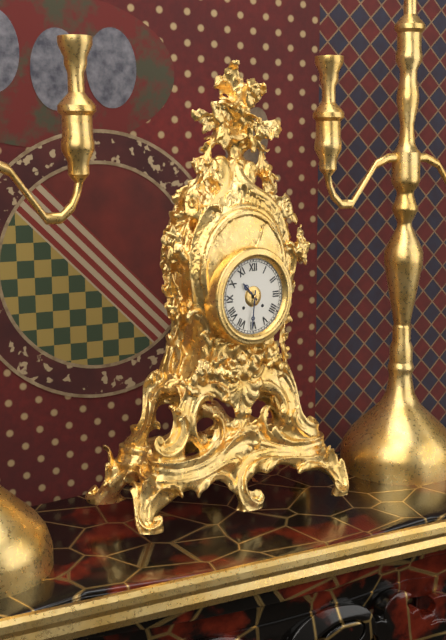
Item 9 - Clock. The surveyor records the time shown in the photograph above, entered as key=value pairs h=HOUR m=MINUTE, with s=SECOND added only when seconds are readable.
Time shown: h=10 m=31
